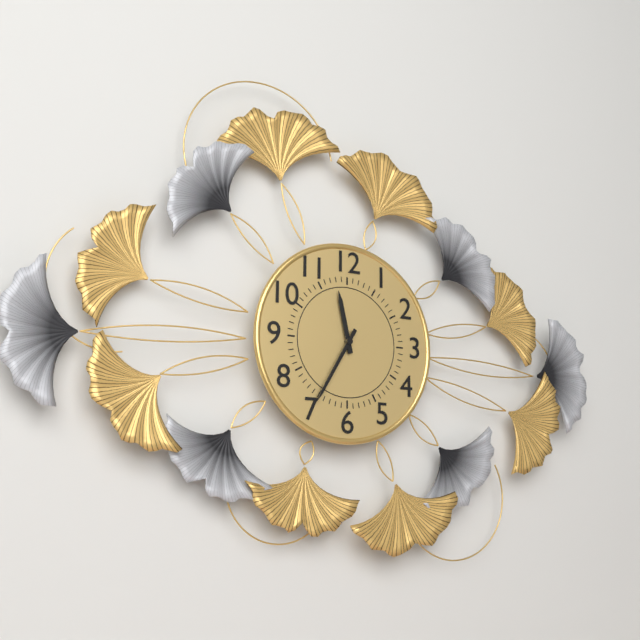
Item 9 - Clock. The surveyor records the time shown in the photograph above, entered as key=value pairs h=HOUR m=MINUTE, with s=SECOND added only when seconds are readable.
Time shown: h=11 m=35
